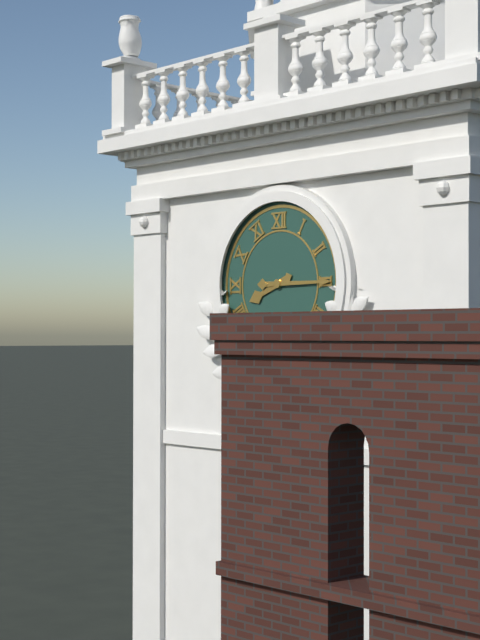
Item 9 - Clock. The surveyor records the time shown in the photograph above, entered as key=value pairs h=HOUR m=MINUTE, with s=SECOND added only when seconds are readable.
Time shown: h=8 m=15
